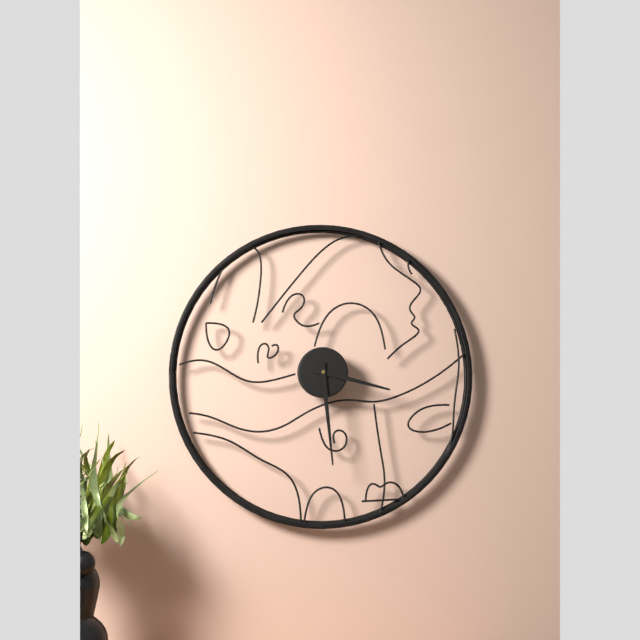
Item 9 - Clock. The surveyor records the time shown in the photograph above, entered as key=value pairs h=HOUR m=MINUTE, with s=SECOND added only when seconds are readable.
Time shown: h=3 m=29
